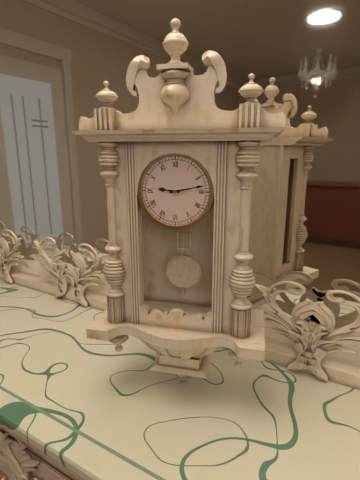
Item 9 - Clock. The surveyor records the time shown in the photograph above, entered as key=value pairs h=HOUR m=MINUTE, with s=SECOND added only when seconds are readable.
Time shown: h=9 m=13
